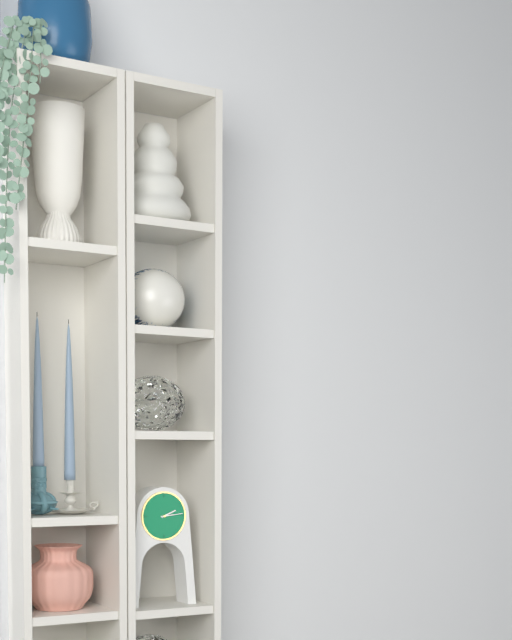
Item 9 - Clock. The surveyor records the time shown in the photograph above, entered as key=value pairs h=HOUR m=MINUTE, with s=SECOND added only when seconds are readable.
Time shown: h=2 m=14
